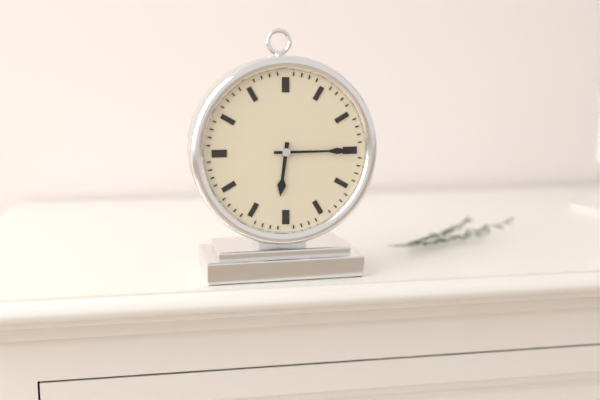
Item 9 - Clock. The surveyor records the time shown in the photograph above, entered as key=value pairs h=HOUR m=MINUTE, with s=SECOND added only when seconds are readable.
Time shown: h=6 m=15
